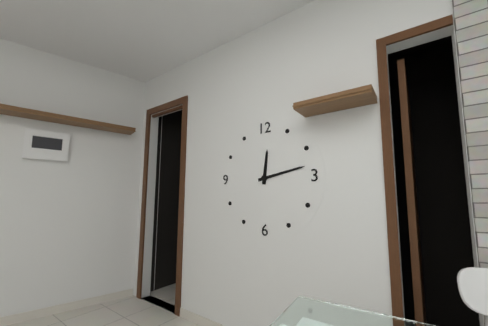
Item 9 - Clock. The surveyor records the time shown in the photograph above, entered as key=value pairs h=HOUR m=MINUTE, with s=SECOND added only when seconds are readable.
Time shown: h=12 m=13
